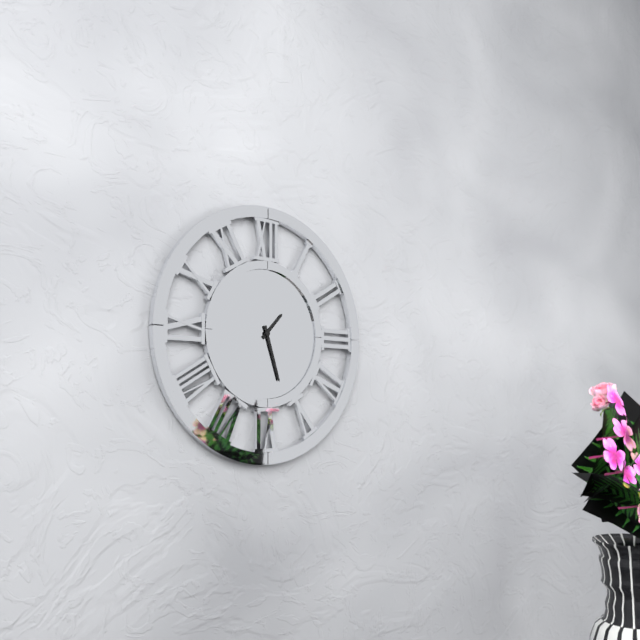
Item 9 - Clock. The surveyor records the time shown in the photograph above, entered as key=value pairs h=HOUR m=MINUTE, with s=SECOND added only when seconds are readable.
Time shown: h=1 m=27
